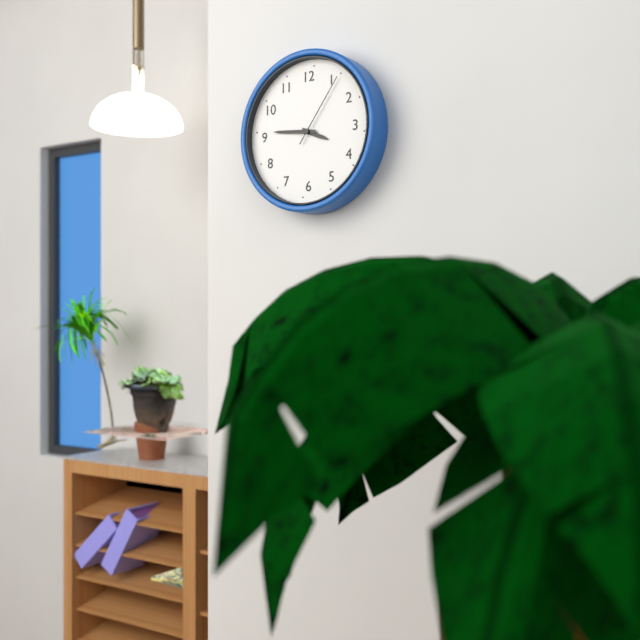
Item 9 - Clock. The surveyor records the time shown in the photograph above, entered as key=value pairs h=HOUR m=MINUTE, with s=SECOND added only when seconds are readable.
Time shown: h=3 m=46 s=6
